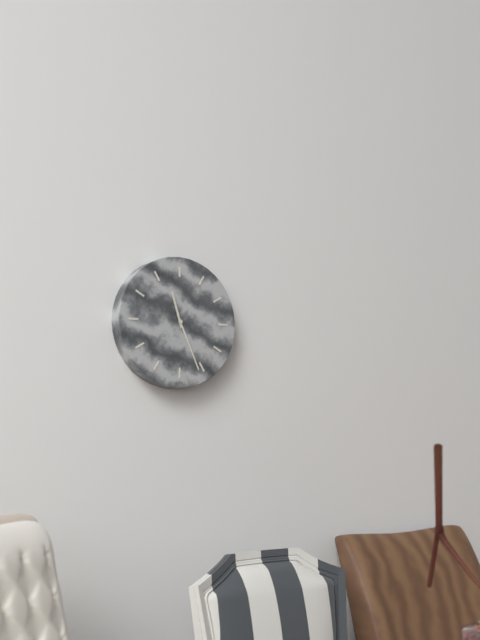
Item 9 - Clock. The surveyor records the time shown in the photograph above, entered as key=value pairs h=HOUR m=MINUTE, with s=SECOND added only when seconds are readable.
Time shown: h=11 m=26
